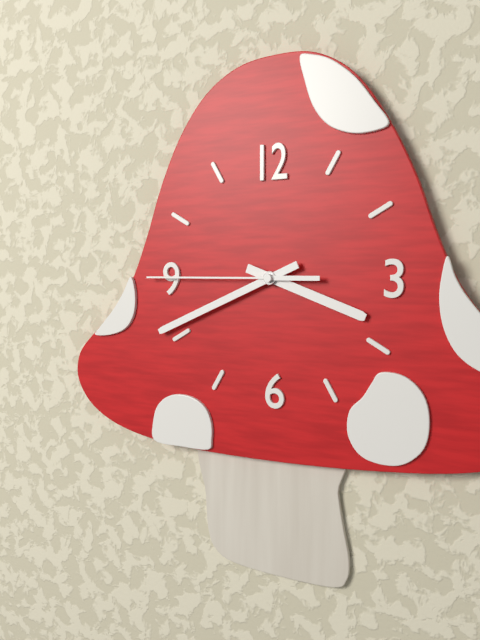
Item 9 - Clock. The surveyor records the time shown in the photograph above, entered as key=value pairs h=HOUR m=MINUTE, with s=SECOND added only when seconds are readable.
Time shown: h=3 m=41 s=45
